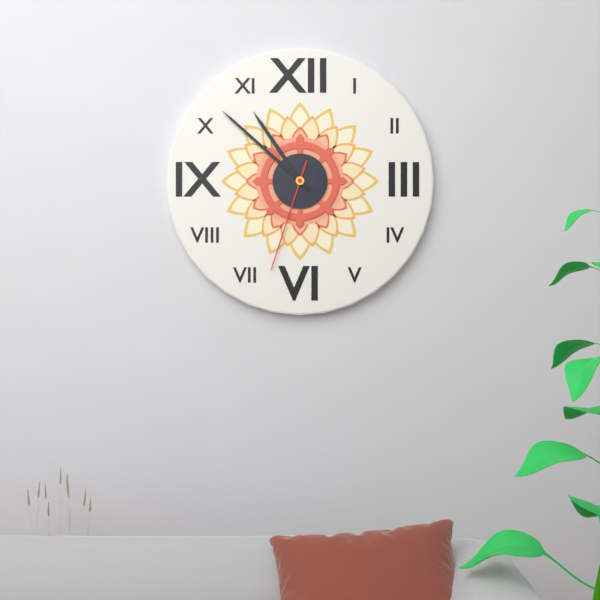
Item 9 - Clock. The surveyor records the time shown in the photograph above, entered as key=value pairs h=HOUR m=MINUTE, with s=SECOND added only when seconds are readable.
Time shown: h=10 m=52 s=33
